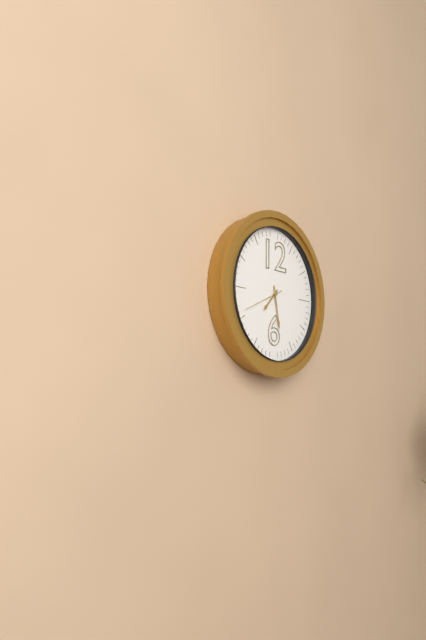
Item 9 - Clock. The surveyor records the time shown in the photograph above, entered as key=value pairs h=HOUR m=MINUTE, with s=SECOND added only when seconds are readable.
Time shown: h=7 m=28
